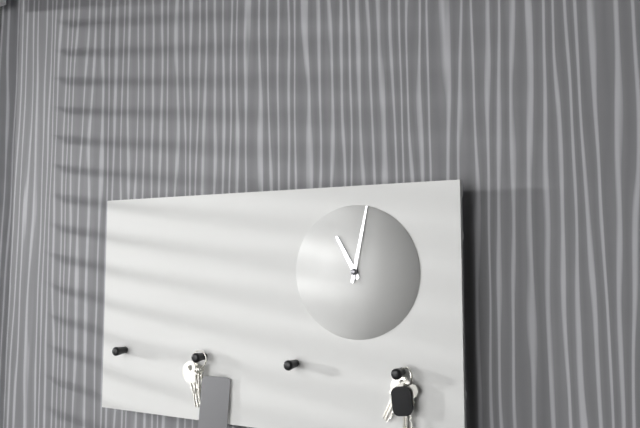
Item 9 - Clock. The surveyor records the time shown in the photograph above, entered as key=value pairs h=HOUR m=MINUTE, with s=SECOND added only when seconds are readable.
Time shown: h=11 m=2
